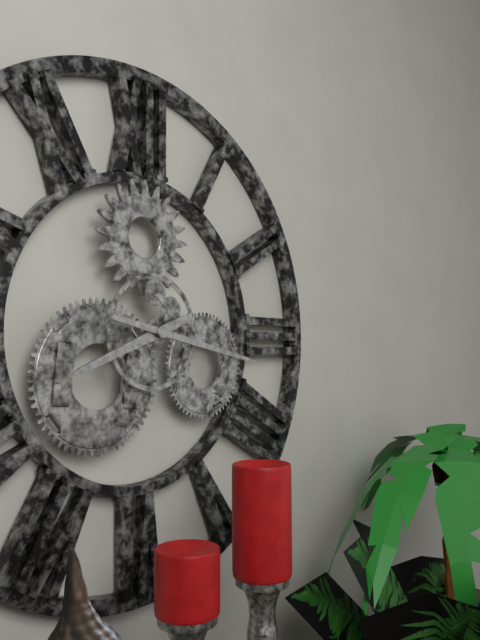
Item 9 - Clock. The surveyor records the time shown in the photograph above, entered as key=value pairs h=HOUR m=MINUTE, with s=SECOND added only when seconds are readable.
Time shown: h=8 m=17
